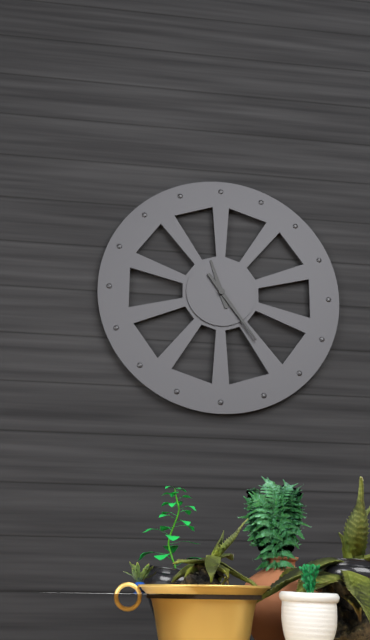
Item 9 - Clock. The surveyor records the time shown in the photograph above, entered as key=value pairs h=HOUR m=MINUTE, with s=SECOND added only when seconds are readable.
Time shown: h=11 m=24
